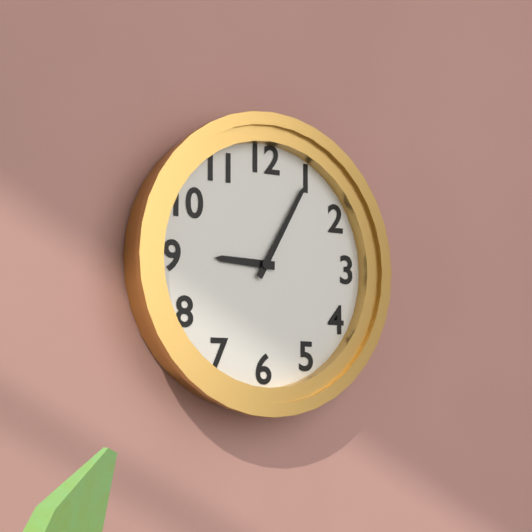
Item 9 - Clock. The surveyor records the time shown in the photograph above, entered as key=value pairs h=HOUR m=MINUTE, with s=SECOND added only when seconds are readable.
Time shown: h=9 m=5
